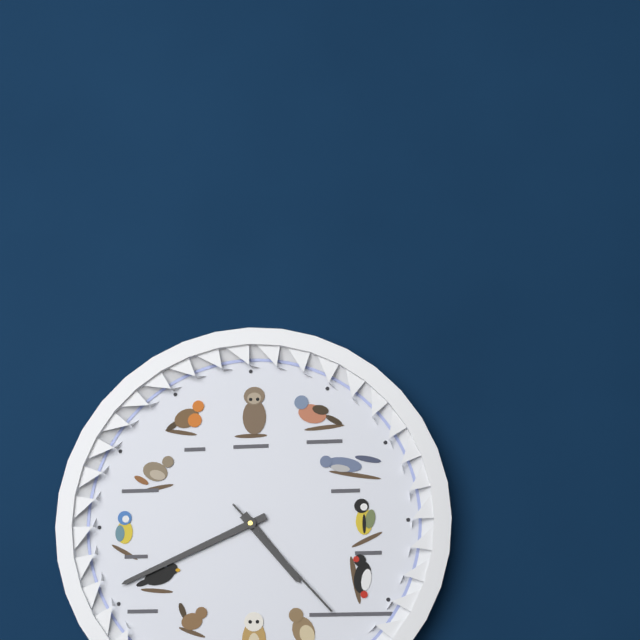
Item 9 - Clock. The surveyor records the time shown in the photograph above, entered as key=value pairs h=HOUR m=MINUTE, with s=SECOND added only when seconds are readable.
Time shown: h=4 m=41 s=23
